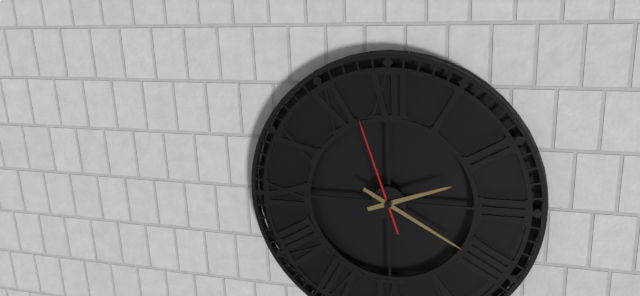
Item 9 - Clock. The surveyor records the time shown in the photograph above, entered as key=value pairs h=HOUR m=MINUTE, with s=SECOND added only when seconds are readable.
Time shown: h=2 m=20 s=57
